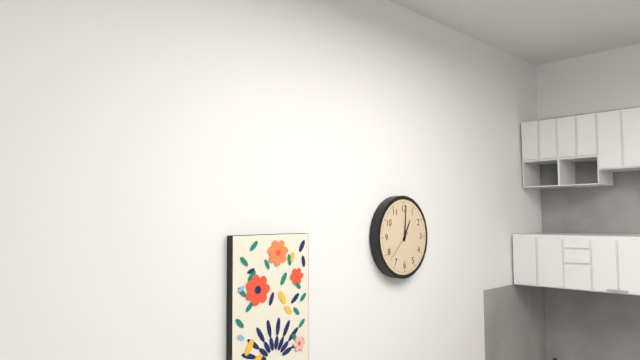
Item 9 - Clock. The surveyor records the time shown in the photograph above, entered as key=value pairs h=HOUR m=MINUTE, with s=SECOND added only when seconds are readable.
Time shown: h=1 m=1
